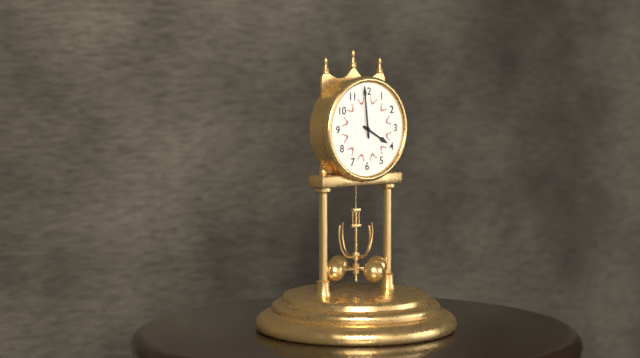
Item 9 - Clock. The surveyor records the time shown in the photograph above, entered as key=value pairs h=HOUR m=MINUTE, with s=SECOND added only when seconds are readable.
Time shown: h=3 m=59
